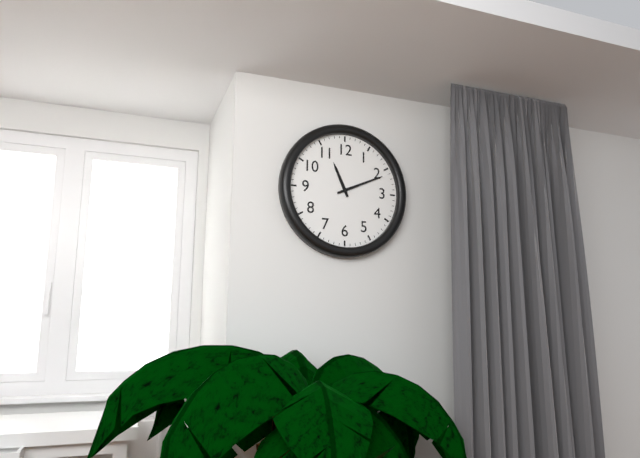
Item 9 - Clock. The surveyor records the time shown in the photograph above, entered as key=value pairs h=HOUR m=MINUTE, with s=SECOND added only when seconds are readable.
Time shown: h=11 m=11
